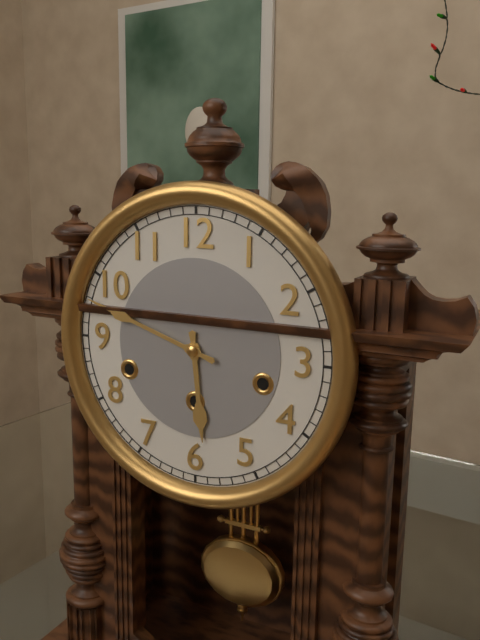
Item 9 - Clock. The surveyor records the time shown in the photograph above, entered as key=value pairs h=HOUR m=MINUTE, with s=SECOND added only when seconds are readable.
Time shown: h=5 m=48
